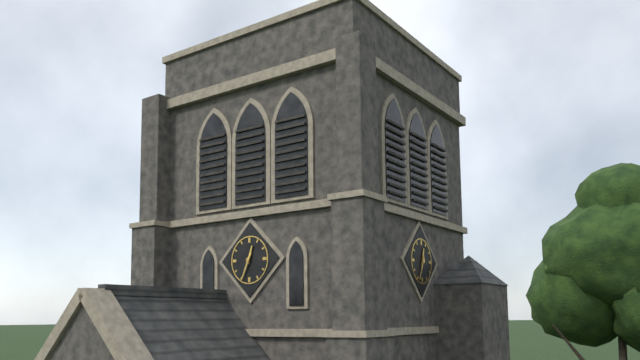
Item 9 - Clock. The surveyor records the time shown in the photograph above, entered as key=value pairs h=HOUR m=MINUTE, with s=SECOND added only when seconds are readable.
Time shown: h=12 m=34
